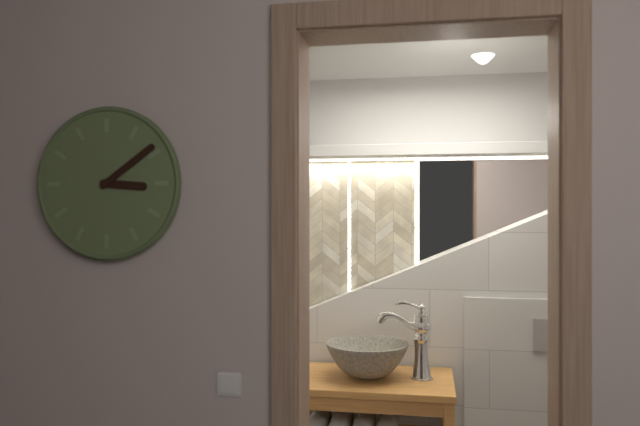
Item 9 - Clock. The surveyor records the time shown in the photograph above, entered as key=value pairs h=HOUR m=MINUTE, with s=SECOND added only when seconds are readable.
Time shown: h=3 m=9
